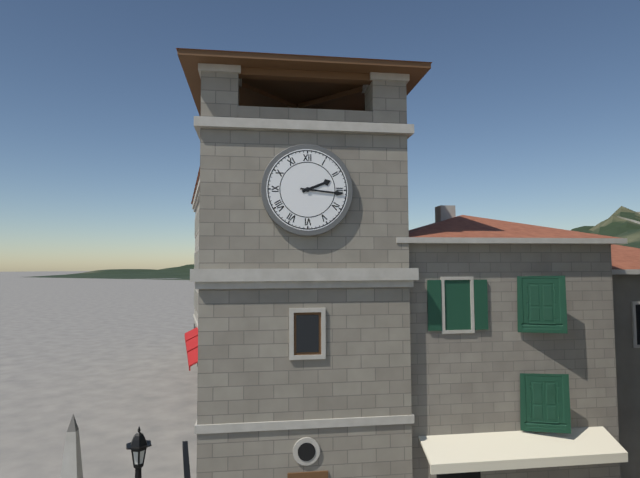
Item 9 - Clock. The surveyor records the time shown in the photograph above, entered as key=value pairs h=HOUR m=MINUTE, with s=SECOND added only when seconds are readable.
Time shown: h=2 m=16
